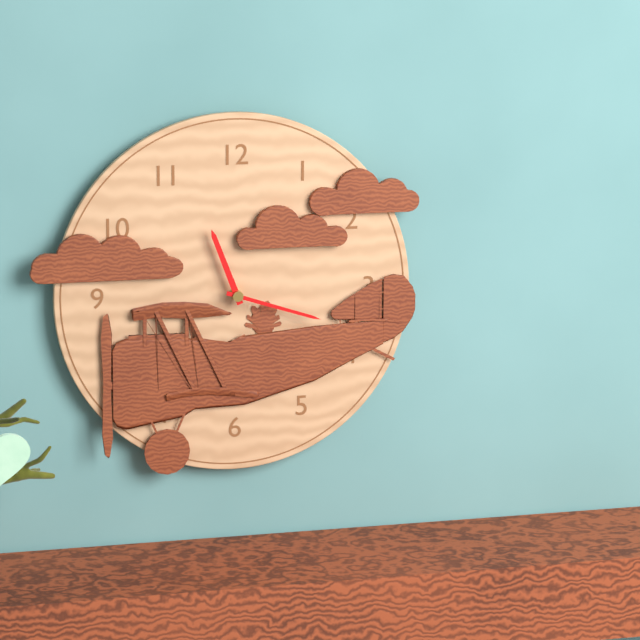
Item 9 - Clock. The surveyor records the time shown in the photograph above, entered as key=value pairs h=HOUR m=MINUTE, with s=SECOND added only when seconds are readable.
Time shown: h=11 m=18
